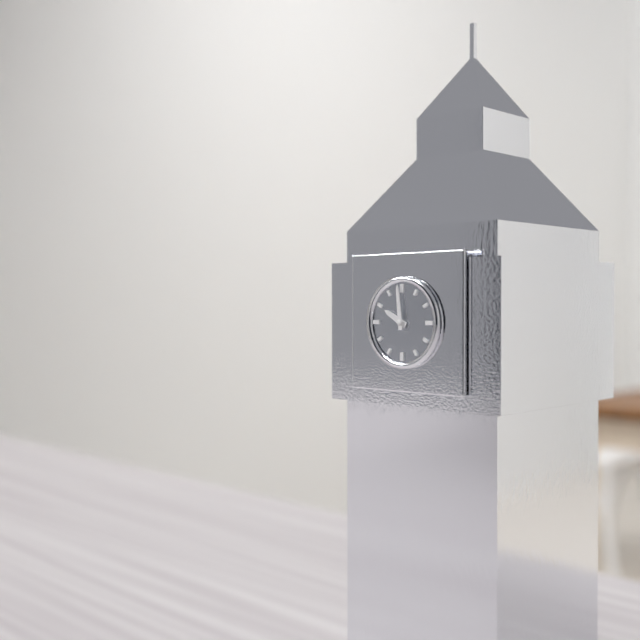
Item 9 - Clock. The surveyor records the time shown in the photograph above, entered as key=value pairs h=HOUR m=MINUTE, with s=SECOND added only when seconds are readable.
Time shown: h=9 m=59
